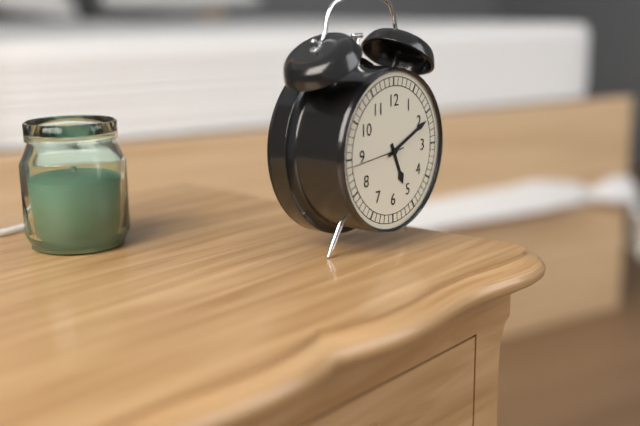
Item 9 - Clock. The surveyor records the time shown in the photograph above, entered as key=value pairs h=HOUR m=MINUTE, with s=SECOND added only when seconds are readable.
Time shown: h=5 m=11 s=44
